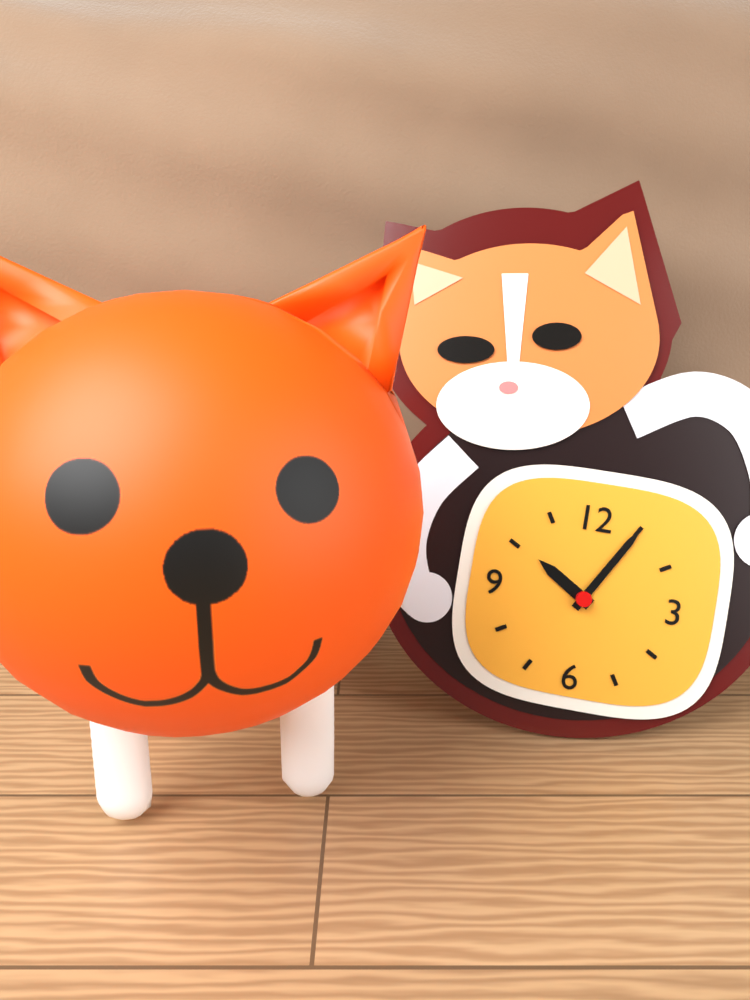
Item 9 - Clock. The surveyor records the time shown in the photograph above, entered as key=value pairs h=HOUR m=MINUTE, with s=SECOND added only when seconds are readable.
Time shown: h=10 m=5
